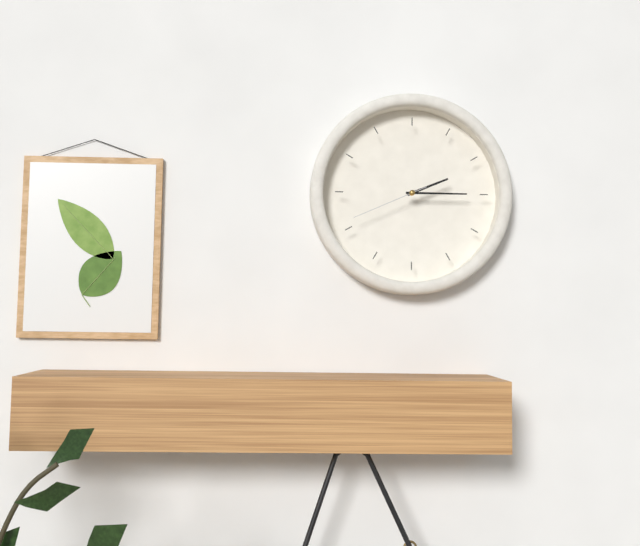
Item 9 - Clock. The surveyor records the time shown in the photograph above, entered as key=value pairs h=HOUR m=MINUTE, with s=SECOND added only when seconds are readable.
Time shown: h=2 m=15 s=41
